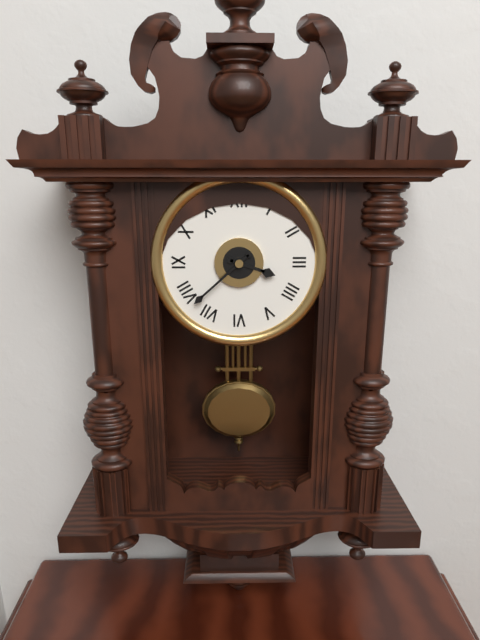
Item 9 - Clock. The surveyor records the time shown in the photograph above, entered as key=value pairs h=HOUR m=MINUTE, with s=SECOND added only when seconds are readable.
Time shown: h=3 m=38
